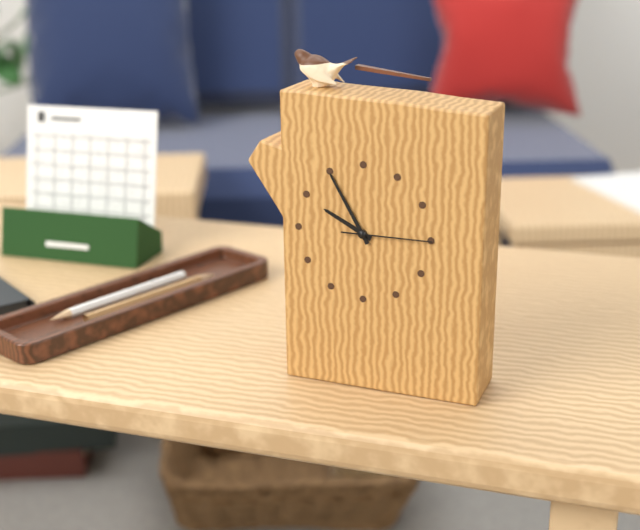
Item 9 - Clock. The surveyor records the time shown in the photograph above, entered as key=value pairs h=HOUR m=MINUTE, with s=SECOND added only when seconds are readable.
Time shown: h=9 m=55 s=15
